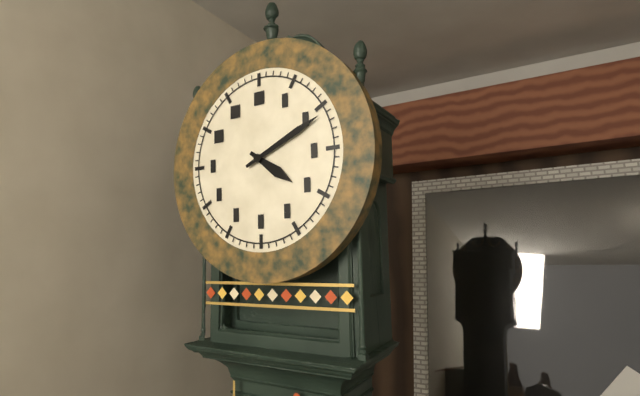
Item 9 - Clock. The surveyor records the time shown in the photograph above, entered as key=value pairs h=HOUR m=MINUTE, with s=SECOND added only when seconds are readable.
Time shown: h=4 m=11
